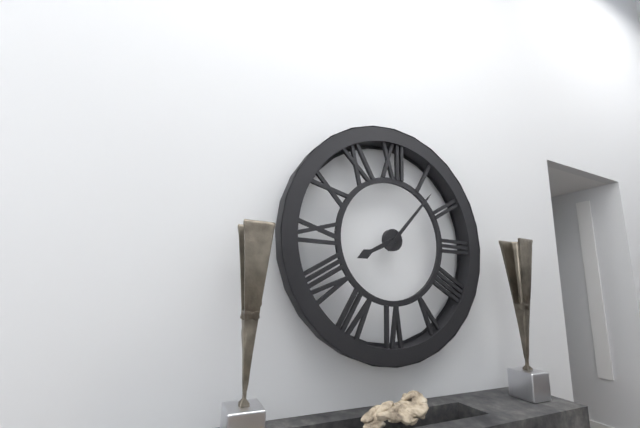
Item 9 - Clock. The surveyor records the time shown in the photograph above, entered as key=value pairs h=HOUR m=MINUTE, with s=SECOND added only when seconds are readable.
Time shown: h=8 m=7
